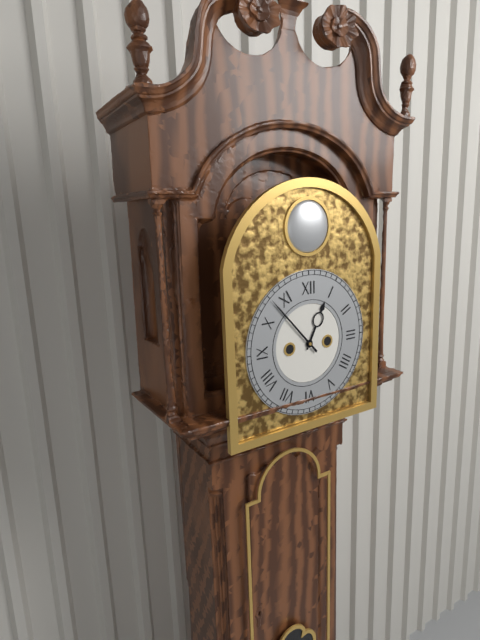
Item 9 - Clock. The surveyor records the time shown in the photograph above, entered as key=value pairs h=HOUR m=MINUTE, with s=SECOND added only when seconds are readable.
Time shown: h=12 m=53
